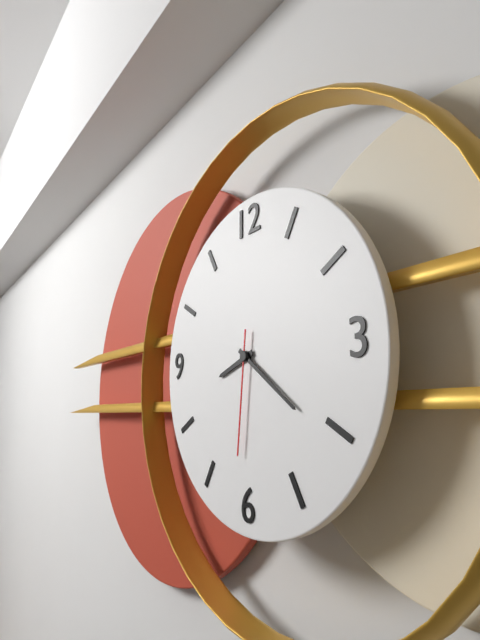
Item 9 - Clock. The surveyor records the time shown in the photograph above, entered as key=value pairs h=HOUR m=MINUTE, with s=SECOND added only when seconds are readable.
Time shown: h=8 m=21 s=31
